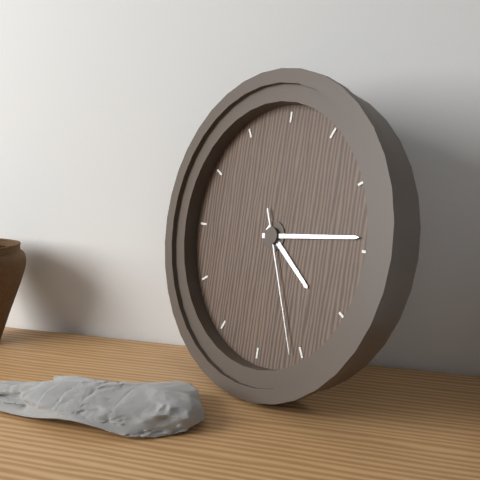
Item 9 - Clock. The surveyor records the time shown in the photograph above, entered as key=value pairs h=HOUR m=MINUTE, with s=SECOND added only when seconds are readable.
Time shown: h=4 m=14 s=26
